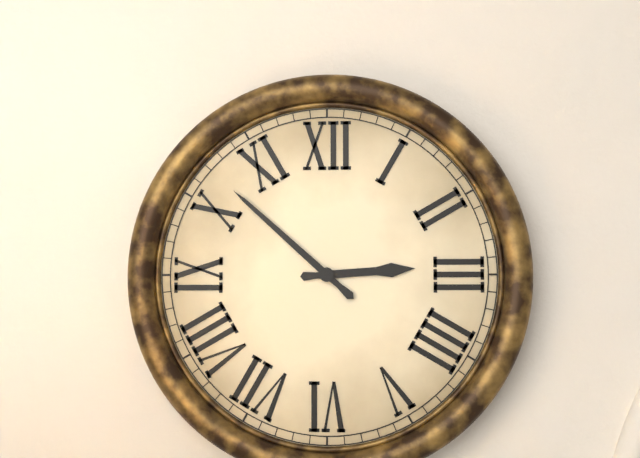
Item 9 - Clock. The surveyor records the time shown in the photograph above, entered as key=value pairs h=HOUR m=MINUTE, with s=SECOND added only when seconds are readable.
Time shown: h=2 m=52
